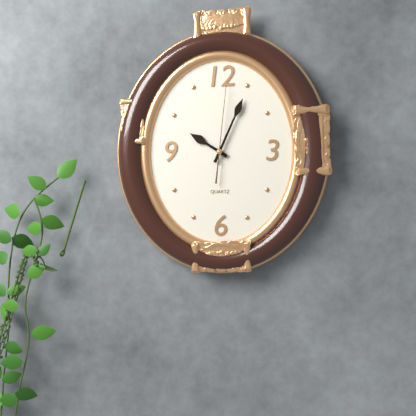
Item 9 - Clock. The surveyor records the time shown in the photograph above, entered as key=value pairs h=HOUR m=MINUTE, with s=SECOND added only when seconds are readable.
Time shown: h=10 m=4 s=1
